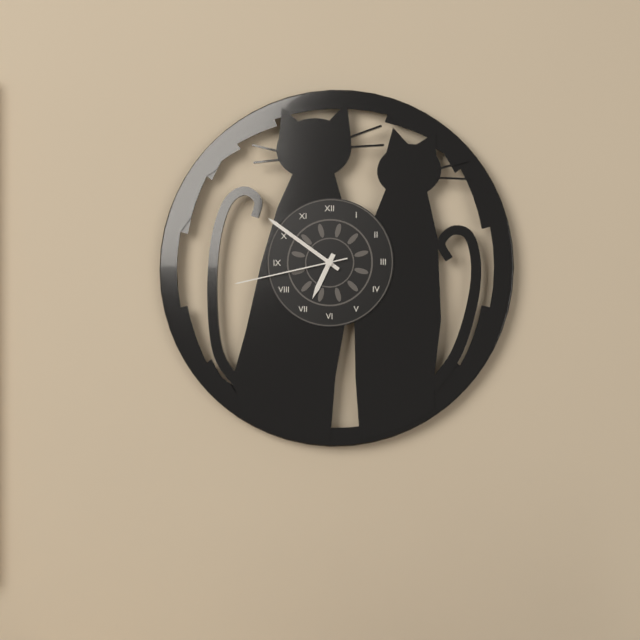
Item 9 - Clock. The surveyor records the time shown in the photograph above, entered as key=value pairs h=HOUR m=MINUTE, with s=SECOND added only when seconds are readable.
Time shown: h=6 m=51 s=43
